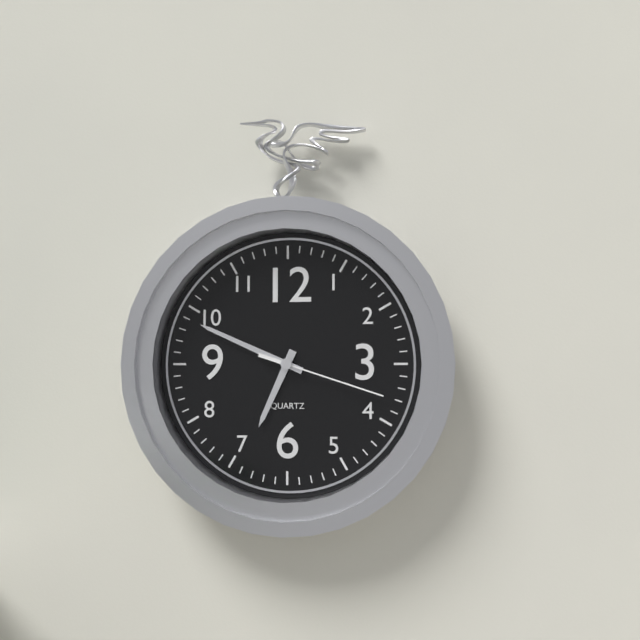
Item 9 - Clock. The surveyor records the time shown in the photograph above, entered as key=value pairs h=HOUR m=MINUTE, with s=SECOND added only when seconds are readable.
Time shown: h=6 m=49 s=18
